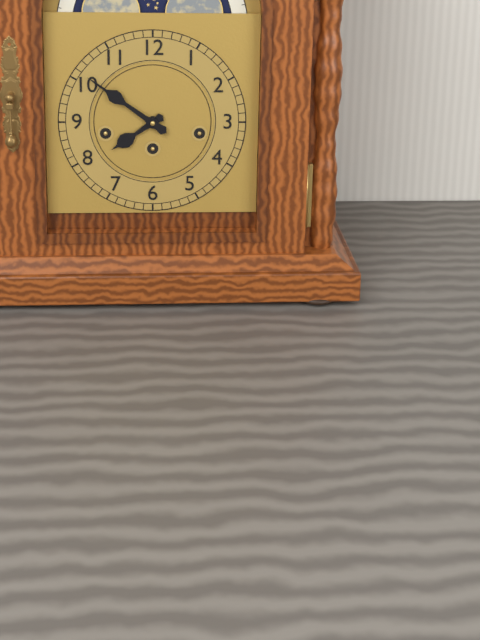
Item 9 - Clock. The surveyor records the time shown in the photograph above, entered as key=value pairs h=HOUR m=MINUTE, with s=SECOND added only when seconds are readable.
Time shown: h=7 m=51
